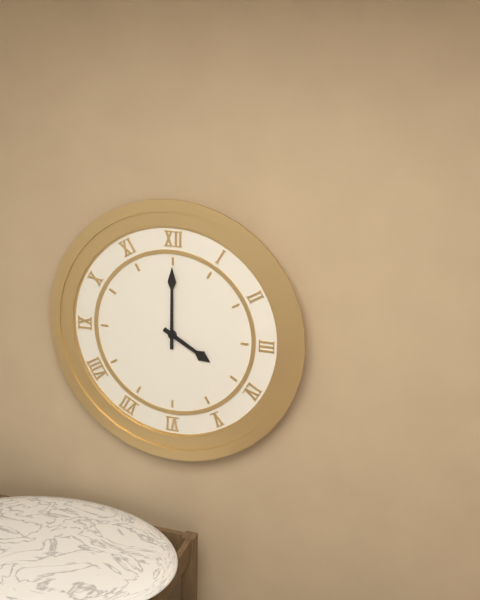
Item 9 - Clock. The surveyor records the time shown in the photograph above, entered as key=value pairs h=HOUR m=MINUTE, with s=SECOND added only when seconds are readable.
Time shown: h=4 m=0
